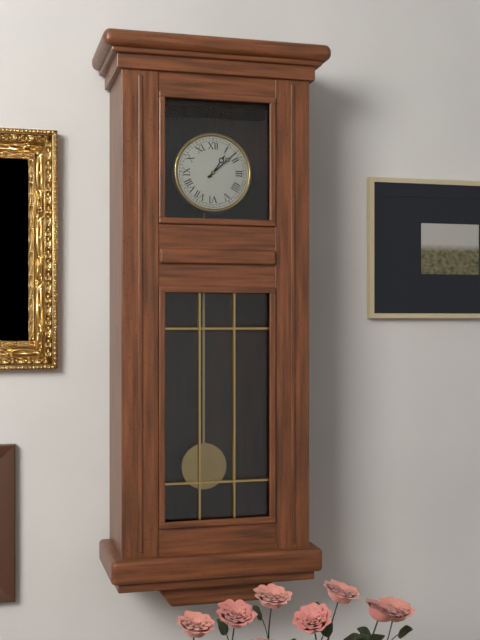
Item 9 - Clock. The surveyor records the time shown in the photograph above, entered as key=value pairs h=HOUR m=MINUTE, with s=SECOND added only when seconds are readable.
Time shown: h=1 m=8
